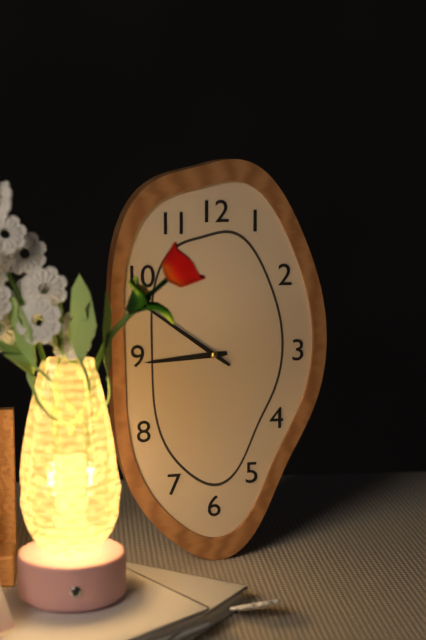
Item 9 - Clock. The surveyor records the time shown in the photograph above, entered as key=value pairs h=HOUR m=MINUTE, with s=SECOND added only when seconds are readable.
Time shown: h=8 m=51
